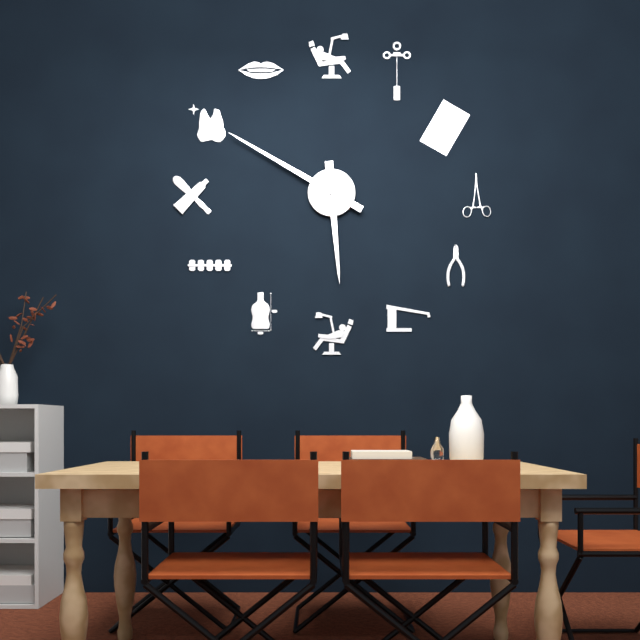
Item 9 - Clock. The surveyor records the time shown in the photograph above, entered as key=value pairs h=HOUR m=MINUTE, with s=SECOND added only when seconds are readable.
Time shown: h=5 m=50
